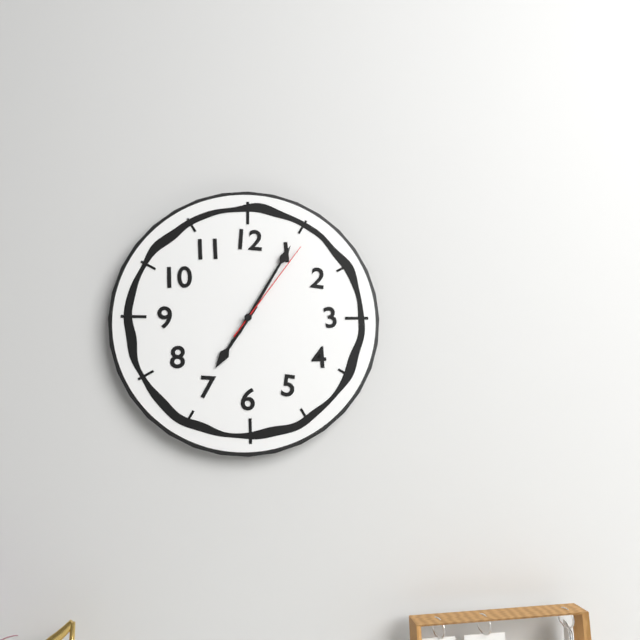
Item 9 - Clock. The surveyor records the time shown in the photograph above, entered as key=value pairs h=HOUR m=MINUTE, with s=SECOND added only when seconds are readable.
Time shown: h=7 m=5 s=6
